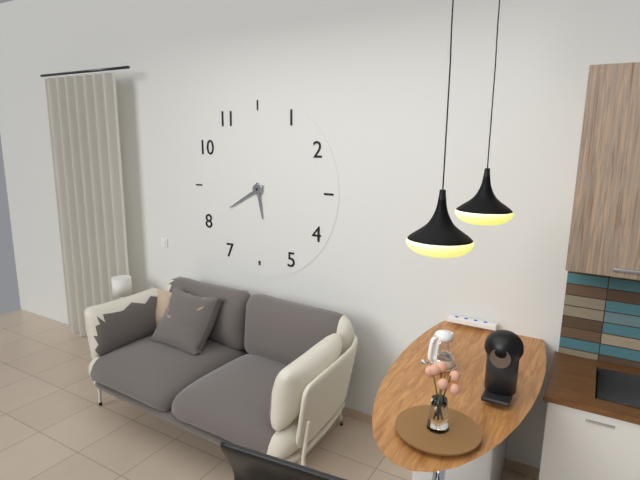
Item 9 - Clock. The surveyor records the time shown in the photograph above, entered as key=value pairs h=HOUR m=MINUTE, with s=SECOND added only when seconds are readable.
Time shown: h=5 m=40
